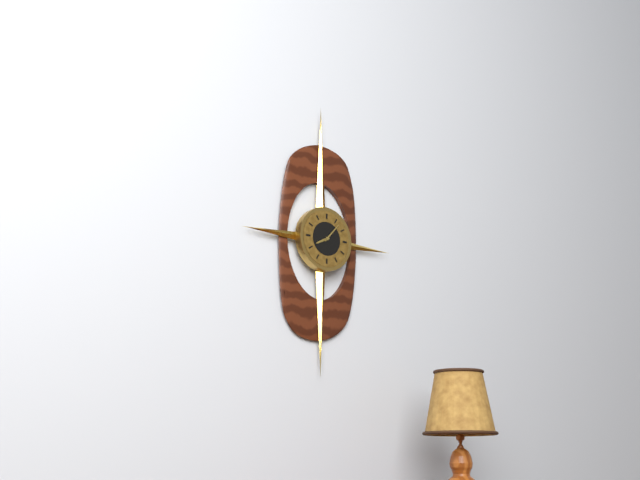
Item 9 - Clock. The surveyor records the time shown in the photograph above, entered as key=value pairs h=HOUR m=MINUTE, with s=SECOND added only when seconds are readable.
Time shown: h=8 m=7
